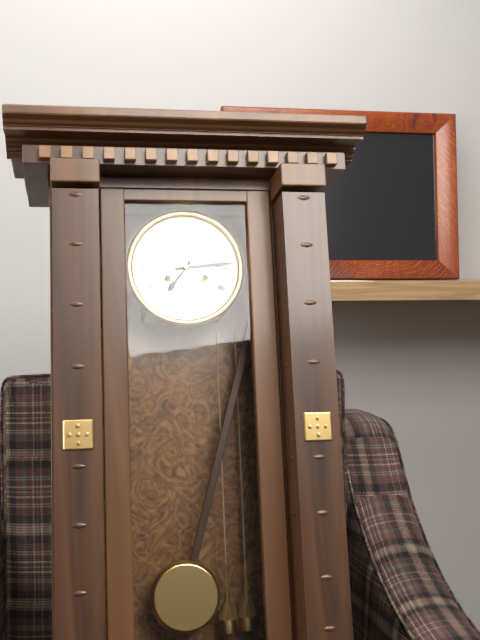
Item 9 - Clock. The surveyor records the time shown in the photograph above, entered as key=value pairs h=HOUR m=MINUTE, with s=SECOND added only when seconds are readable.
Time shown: h=7 m=14
